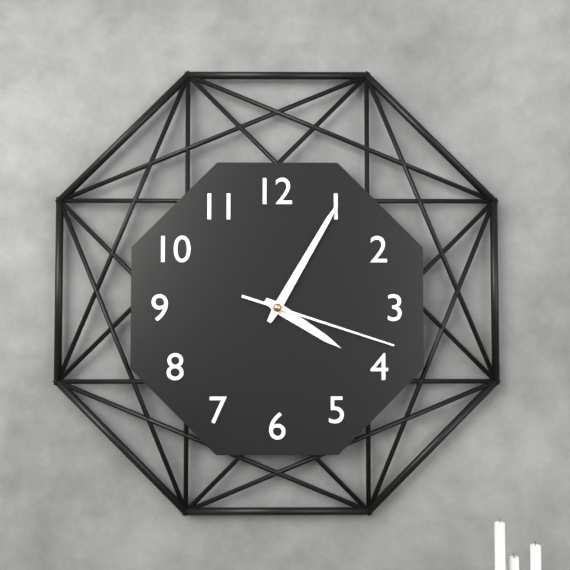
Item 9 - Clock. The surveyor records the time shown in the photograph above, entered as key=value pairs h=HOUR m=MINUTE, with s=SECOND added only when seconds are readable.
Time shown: h=4 m=5 s=18
